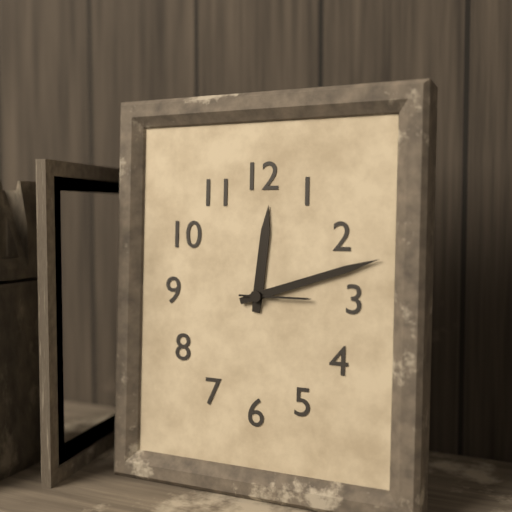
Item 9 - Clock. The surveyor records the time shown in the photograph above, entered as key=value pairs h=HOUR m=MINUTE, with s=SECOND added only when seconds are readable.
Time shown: h=12 m=12 s=15
